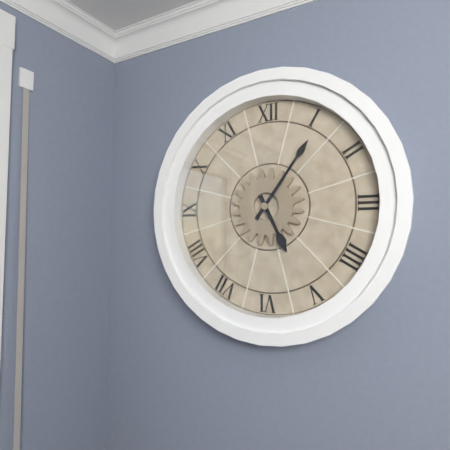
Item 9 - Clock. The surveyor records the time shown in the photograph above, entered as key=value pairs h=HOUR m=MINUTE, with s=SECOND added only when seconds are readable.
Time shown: h=5 m=6
